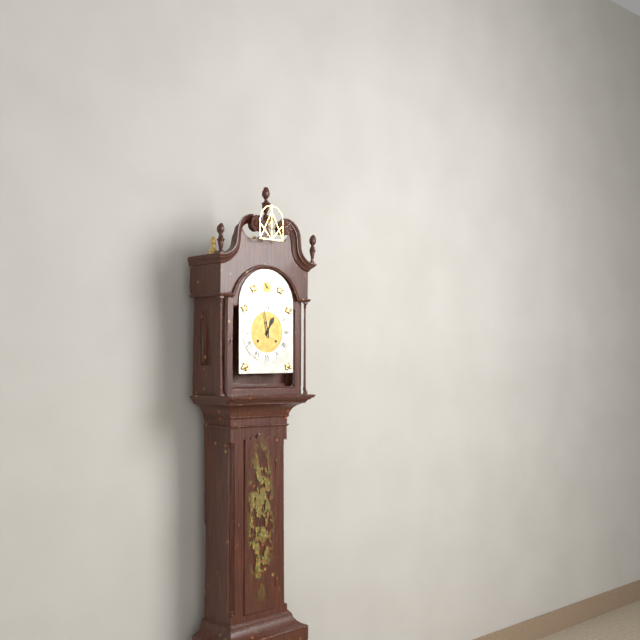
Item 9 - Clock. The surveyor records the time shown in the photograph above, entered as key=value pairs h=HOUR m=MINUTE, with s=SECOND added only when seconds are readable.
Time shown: h=12 m=58
